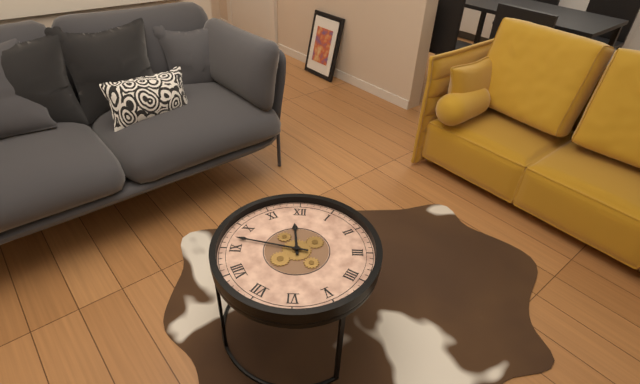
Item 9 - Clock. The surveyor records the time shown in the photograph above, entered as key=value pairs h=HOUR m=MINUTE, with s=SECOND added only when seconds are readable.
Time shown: h=11 m=47
